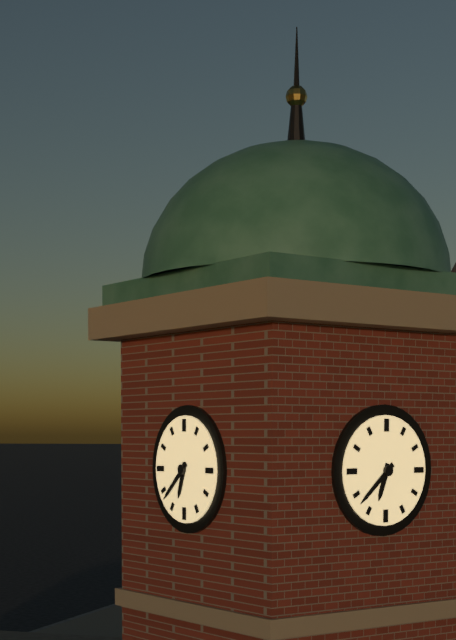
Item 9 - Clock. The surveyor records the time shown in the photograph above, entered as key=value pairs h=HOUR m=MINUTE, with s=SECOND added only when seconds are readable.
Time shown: h=6 m=38
